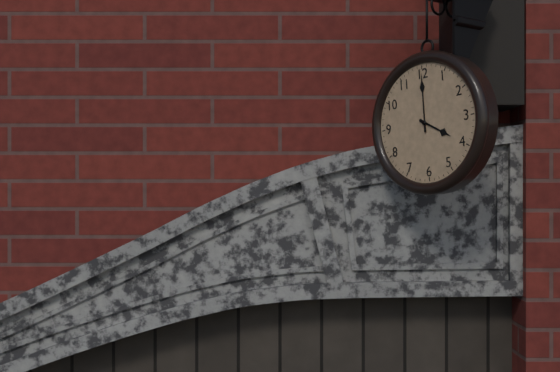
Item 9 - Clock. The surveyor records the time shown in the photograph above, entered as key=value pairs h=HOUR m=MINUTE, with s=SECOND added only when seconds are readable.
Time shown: h=4 m=0
